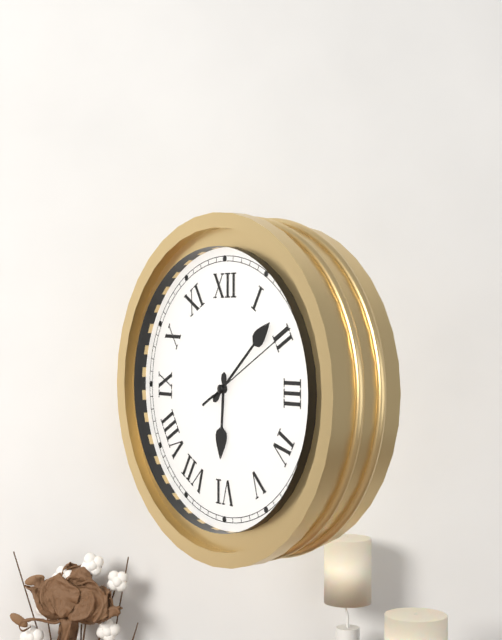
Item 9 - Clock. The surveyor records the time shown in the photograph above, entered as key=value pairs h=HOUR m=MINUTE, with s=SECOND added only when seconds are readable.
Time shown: h=6 m=8 s=10
